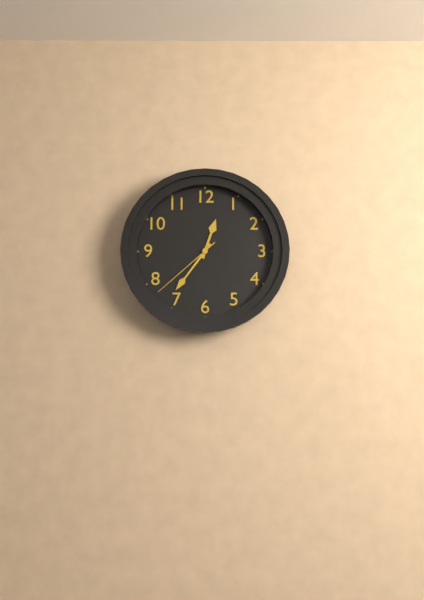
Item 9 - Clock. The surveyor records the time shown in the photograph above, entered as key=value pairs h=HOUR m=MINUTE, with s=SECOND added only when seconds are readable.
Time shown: h=12 m=36 s=38
